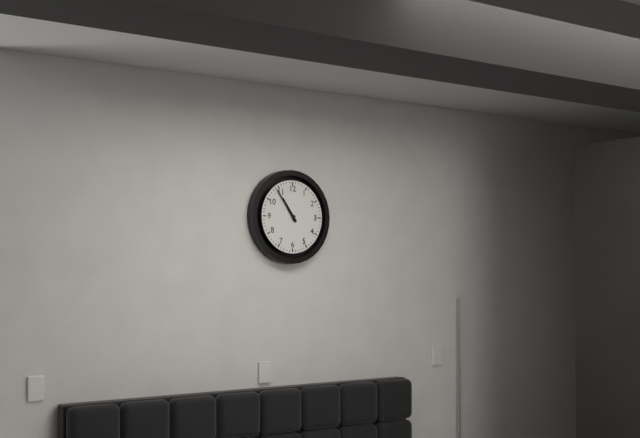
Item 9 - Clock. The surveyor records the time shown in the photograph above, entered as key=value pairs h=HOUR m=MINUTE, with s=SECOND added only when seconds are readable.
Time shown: h=10 m=54
